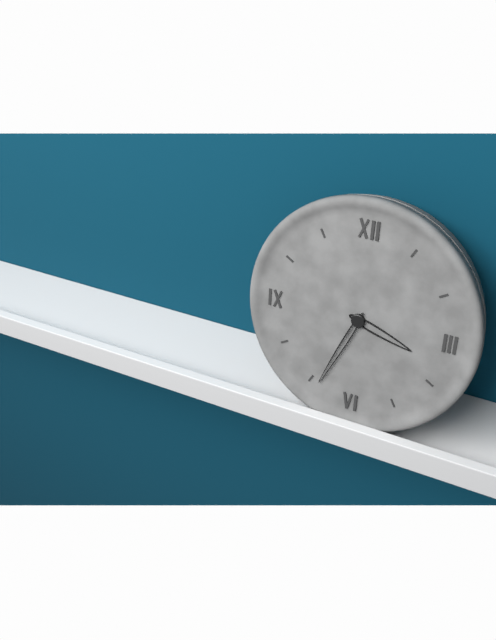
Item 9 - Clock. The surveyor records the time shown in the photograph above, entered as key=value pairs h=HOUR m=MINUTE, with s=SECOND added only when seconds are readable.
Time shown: h=3 m=34
